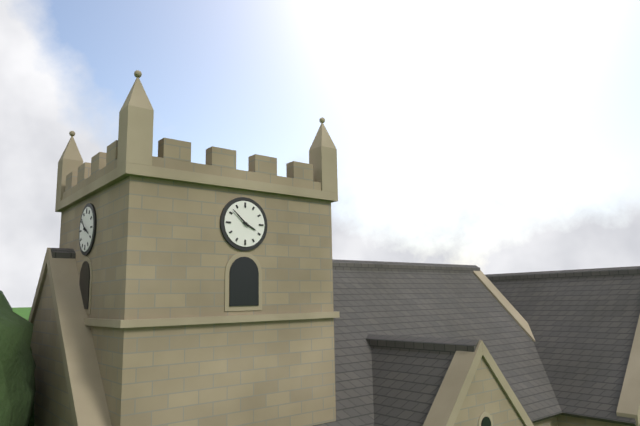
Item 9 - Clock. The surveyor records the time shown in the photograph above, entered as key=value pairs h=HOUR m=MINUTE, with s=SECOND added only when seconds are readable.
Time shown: h=3 m=52
